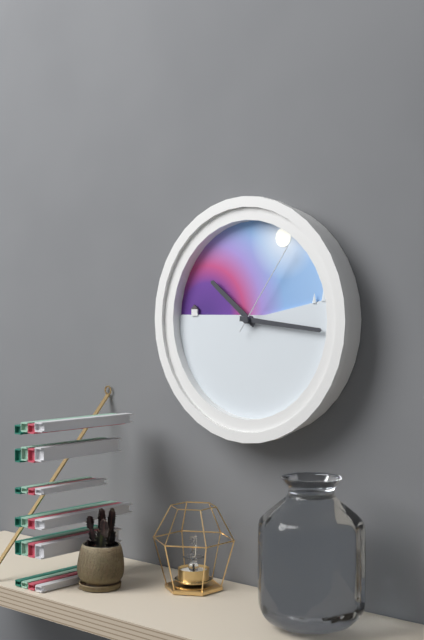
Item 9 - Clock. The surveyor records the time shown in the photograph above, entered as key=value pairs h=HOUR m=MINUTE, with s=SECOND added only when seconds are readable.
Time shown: h=10 m=16 s=6
